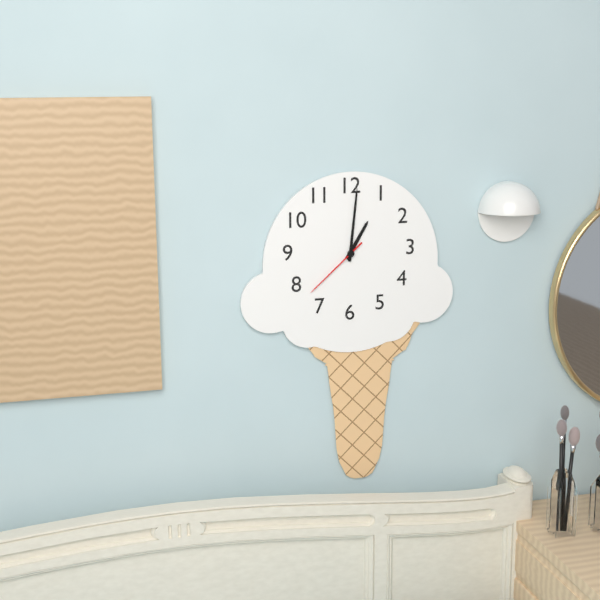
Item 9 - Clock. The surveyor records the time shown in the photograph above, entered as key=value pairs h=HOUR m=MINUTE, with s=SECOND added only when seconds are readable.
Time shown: h=1 m=1 s=38
